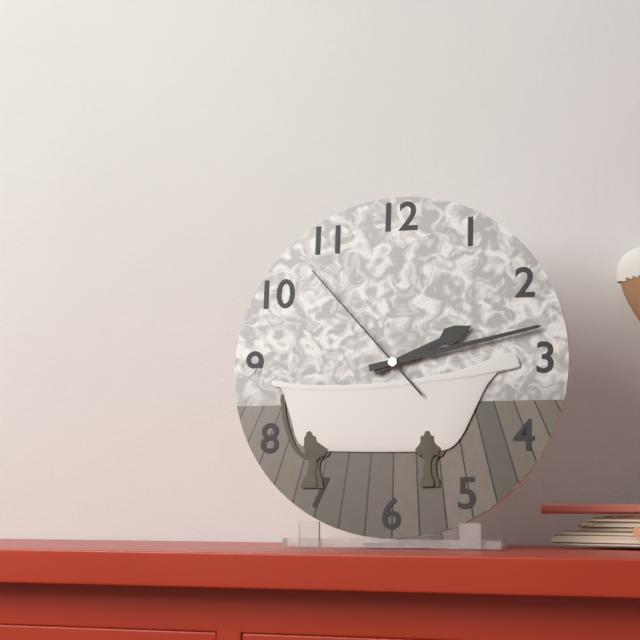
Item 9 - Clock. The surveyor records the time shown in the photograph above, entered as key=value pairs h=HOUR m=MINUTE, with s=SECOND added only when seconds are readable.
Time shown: h=2 m=13 s=53
